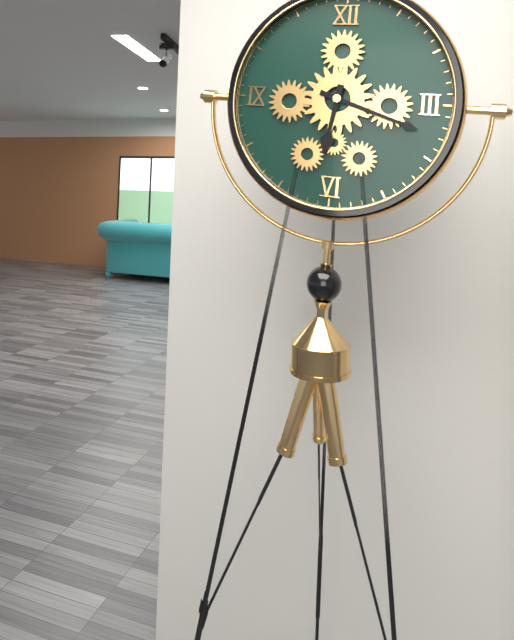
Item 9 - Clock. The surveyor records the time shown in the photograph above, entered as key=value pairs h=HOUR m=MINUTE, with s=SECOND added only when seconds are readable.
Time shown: h=6 m=18
